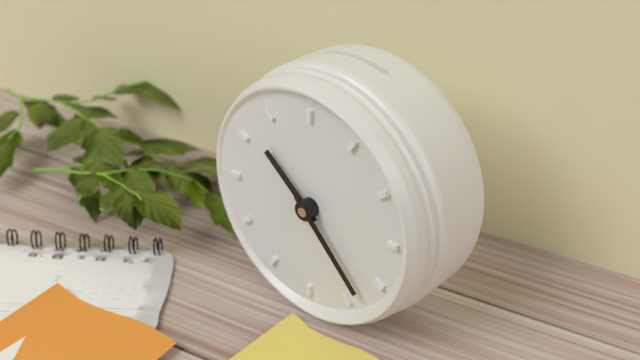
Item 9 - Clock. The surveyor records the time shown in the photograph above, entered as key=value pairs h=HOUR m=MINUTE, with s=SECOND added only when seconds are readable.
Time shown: h=10 m=23
